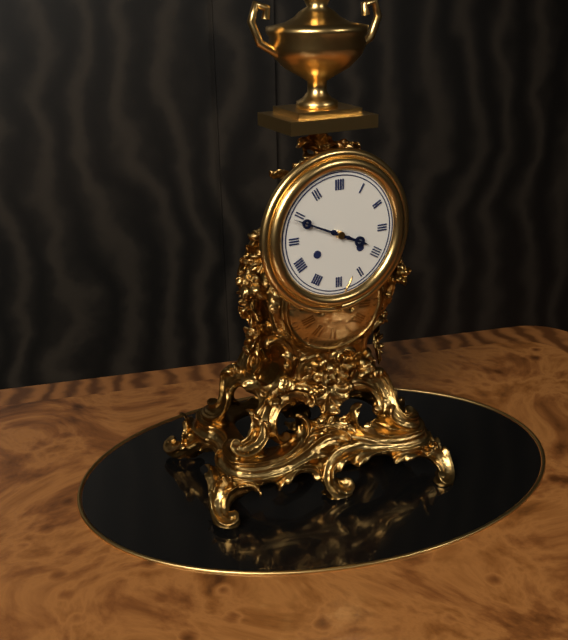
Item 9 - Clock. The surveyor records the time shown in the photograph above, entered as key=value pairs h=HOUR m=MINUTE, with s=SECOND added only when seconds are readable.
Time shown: h=3 m=49
